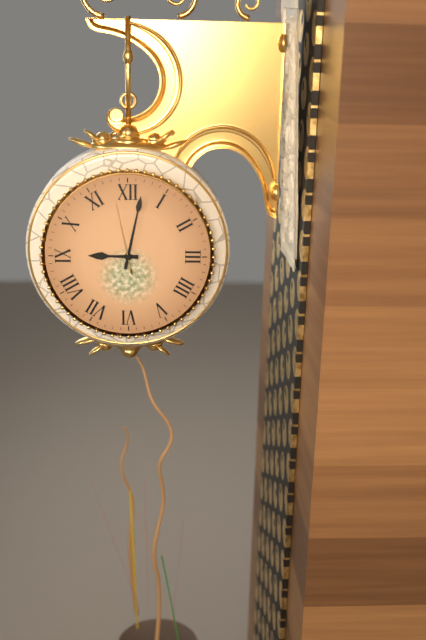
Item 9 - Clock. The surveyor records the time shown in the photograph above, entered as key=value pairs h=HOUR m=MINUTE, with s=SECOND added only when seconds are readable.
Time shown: h=9 m=2 s=58
